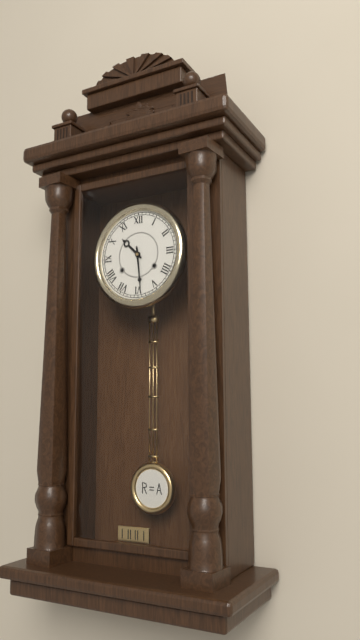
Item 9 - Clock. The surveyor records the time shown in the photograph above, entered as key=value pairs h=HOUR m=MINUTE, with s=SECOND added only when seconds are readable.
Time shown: h=10 m=29
